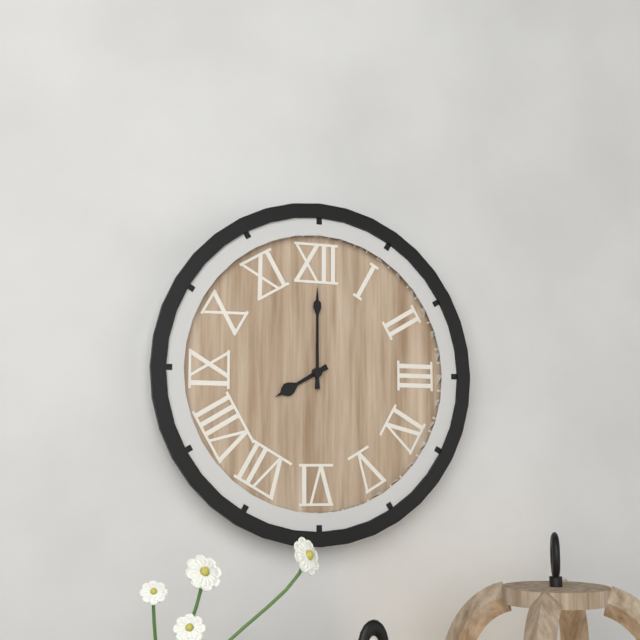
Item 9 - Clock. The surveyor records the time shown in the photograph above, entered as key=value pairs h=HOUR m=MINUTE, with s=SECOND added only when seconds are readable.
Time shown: h=8 m=0
